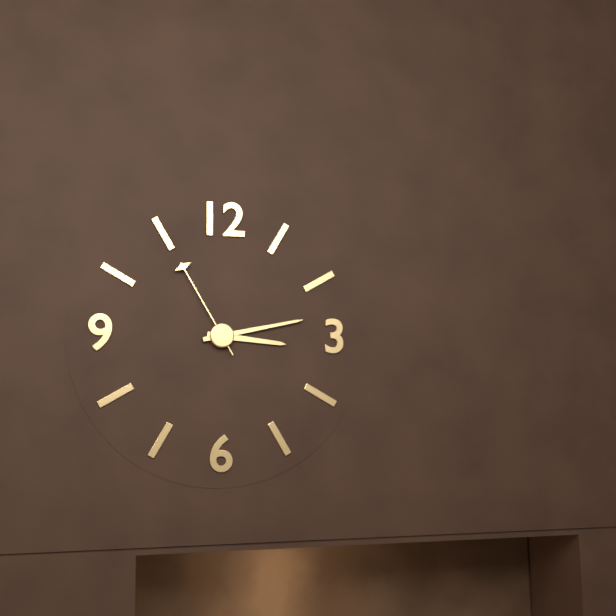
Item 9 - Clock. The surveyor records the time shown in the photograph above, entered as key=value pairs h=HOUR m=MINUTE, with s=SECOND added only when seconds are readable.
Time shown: h=3 m=13 s=55
